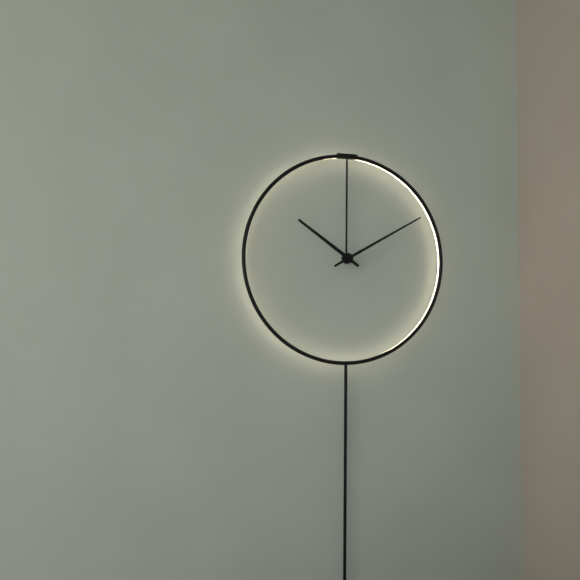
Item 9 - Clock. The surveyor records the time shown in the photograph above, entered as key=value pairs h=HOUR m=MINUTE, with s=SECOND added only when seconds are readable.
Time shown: h=10 m=10
